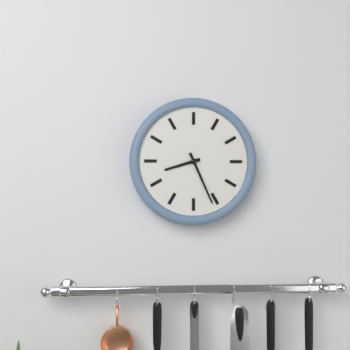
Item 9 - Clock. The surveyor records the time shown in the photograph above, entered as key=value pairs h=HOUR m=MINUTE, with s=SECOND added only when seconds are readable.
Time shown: h=8 m=26
